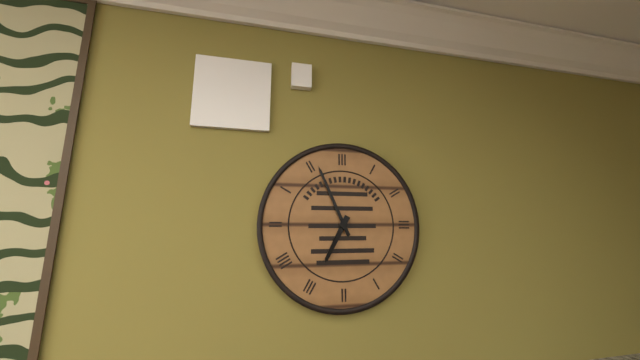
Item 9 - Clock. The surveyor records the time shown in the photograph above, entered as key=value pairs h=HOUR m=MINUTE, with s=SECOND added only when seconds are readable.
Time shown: h=6 m=56
